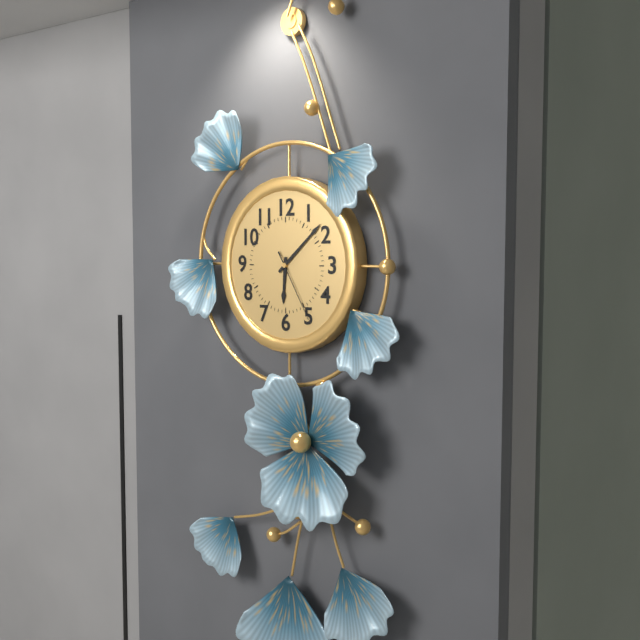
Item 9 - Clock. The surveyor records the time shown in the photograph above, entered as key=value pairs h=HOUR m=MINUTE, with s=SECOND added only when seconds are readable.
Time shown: h=6 m=8 s=25
